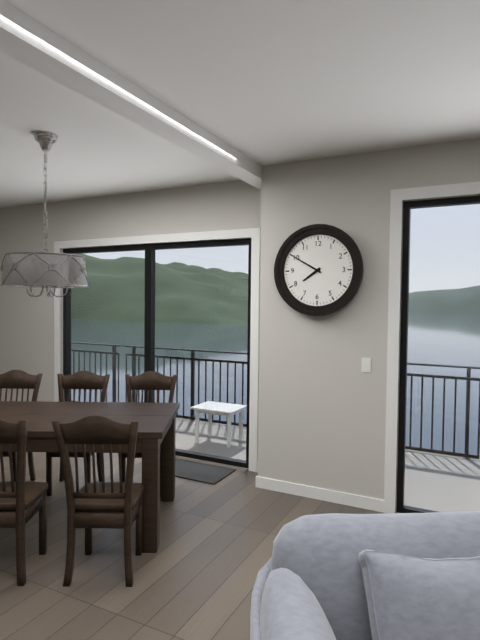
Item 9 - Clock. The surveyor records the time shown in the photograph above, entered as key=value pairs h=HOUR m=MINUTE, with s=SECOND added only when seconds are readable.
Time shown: h=7 m=50
